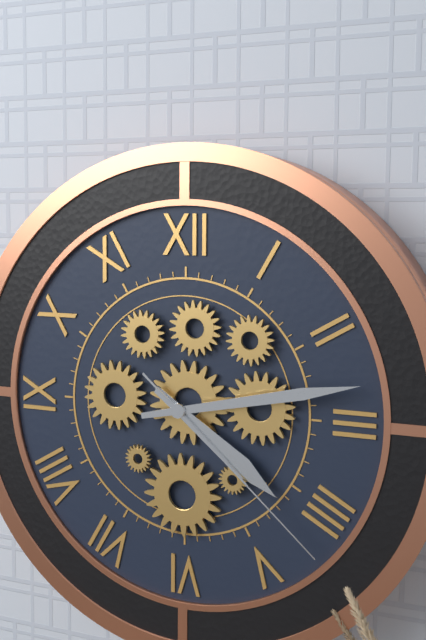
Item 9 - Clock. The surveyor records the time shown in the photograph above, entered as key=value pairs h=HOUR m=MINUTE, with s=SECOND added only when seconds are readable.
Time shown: h=4 m=13 s=22
